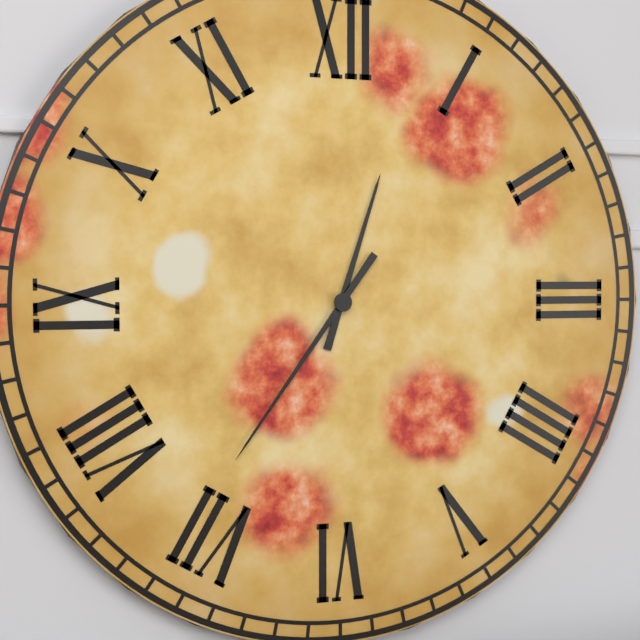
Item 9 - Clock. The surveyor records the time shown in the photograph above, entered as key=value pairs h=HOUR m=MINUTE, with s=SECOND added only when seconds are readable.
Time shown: h=12 m=36
